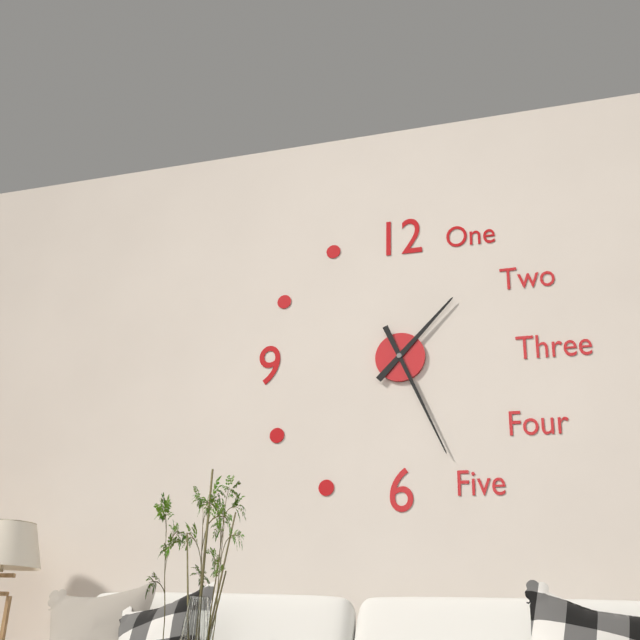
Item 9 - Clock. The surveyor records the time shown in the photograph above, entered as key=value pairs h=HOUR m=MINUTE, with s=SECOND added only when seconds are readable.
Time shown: h=1 m=26
